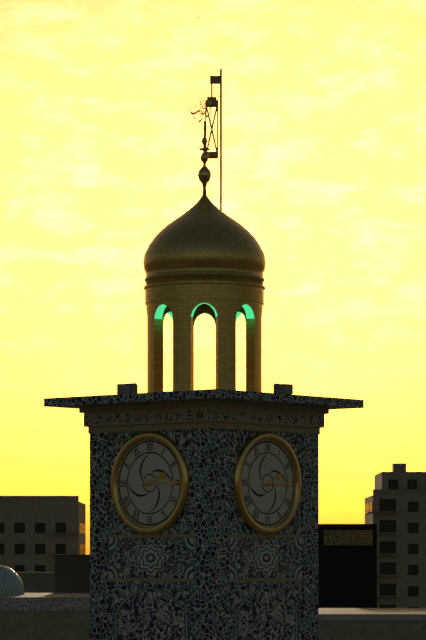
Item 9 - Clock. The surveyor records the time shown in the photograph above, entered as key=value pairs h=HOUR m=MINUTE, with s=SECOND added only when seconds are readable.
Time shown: h=2 m=15
